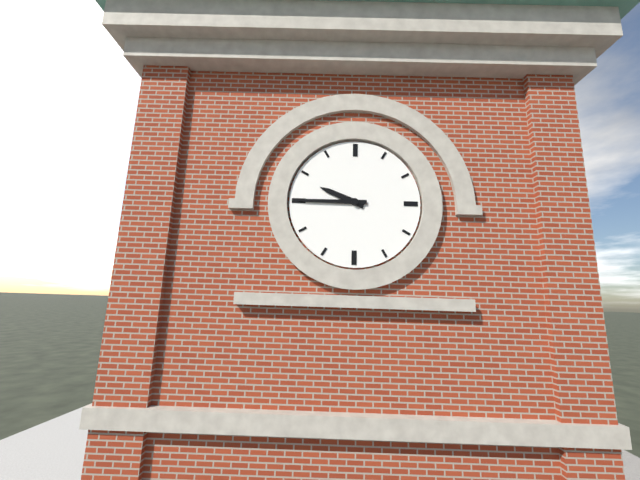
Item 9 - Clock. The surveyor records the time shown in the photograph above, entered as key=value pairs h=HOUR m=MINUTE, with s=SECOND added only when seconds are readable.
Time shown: h=9 m=45
